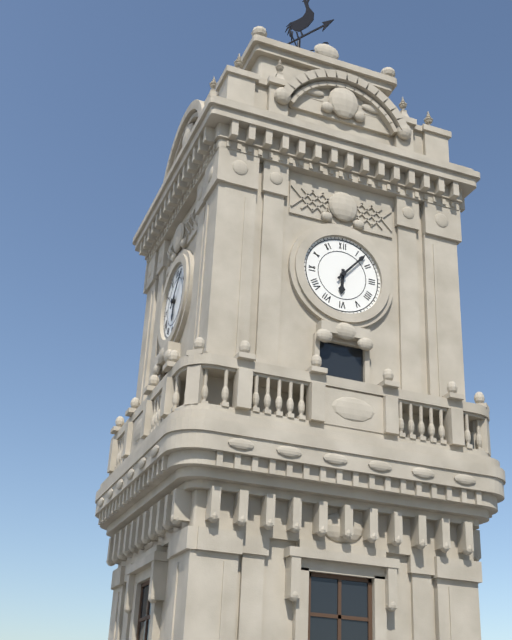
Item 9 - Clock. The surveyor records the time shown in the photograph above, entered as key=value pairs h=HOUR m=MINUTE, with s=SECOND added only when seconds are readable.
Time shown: h=6 m=7
